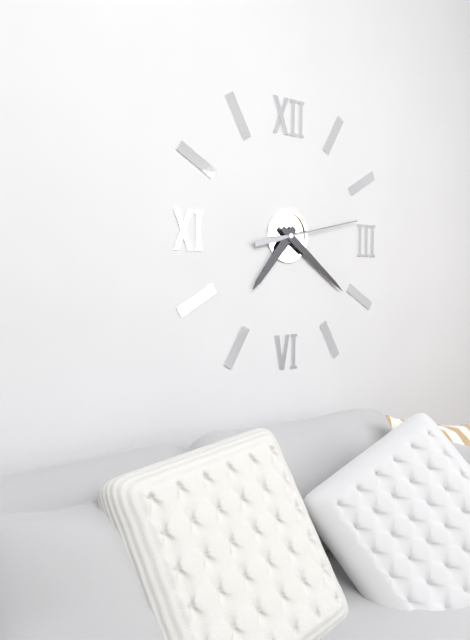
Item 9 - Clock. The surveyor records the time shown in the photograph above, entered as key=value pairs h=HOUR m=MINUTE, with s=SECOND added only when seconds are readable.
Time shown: h=7 m=21 s=13
